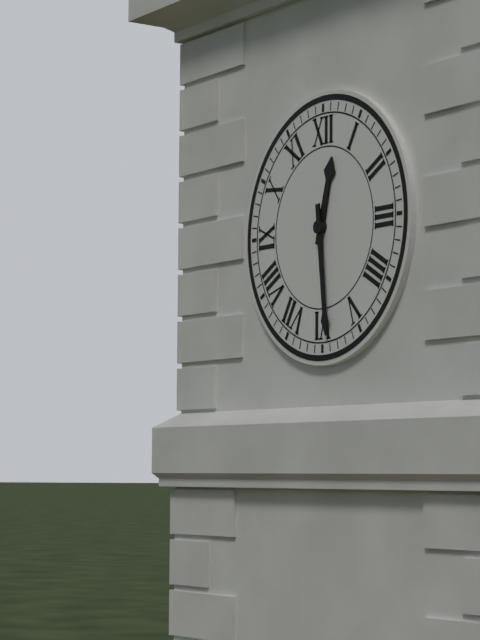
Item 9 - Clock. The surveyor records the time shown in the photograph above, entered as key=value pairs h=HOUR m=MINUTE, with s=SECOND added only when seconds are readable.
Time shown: h=12 m=29
